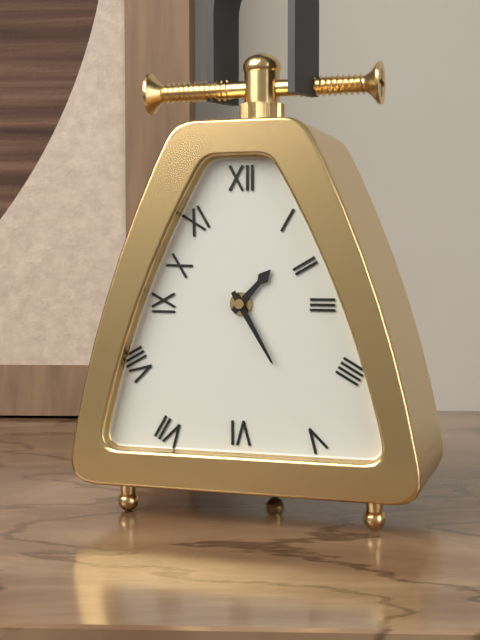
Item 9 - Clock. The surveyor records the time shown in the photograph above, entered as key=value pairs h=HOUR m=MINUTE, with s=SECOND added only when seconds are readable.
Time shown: h=1 m=25
